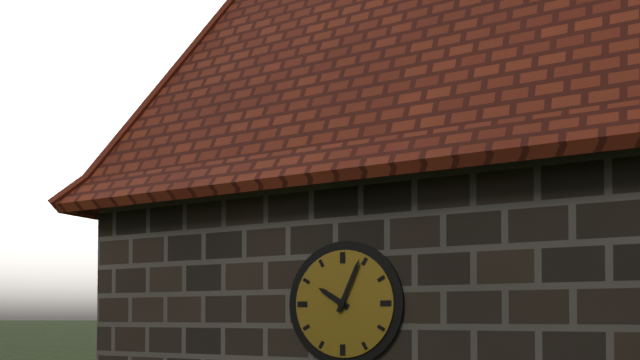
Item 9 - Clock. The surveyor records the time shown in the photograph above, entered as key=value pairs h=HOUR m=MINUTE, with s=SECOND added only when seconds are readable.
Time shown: h=10 m=4
